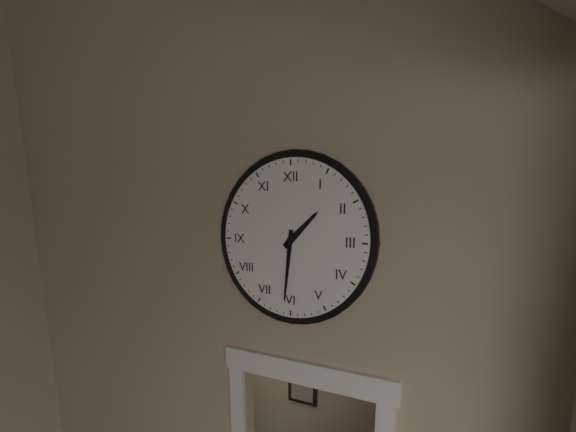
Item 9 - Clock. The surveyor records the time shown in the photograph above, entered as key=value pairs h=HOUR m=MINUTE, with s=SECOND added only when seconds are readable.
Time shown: h=1 m=31
